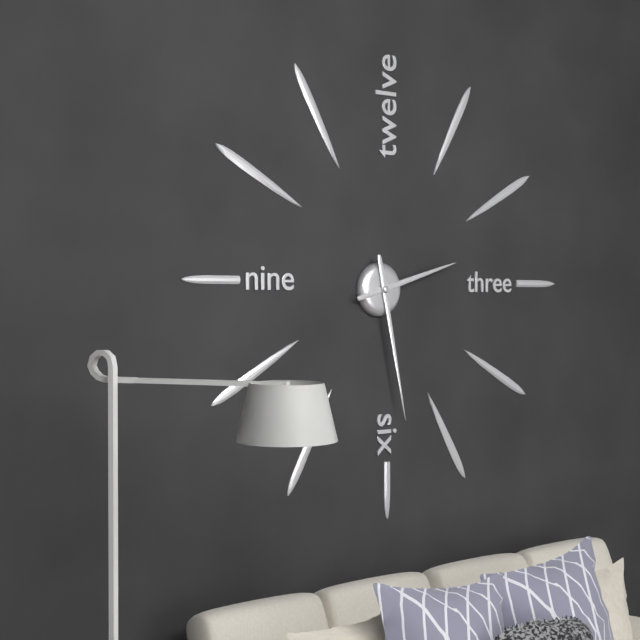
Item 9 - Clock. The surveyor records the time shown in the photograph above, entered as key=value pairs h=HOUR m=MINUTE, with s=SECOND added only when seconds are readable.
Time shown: h=2 m=28
